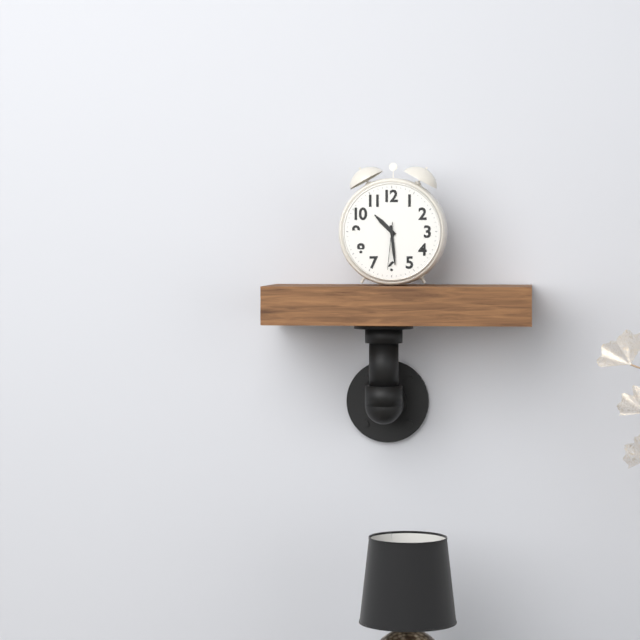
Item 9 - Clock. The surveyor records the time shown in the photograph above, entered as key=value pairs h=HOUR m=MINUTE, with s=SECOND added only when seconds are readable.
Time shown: h=10 m=29
